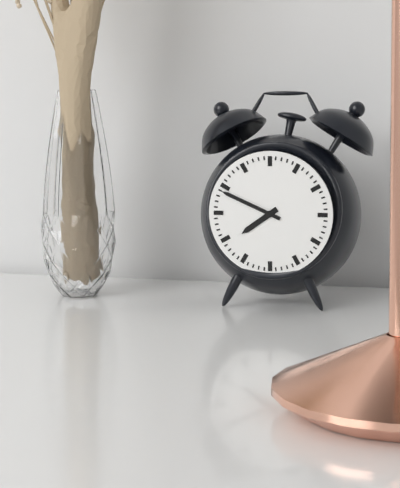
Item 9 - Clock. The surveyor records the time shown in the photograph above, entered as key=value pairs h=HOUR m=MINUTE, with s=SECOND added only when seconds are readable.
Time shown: h=7 m=49
